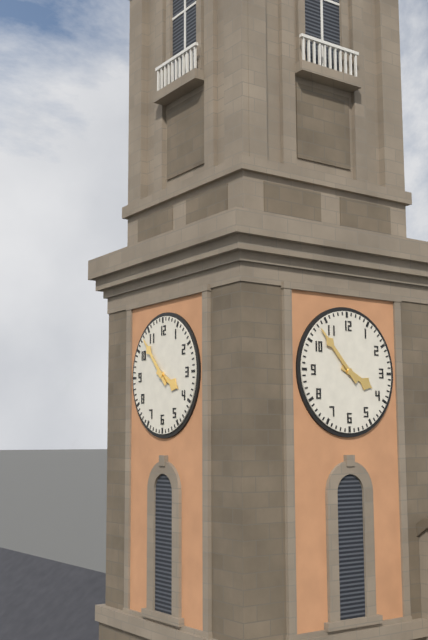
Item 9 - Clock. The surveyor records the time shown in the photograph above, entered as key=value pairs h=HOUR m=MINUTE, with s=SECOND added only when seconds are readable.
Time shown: h=3 m=53
